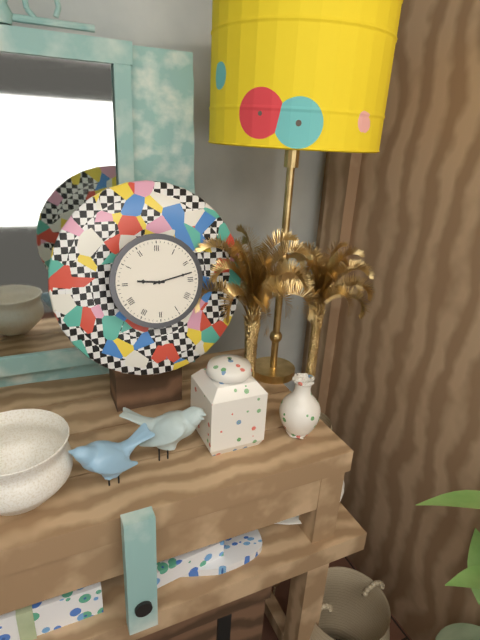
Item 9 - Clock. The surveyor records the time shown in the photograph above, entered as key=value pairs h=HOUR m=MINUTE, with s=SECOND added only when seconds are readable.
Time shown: h=9 m=13
